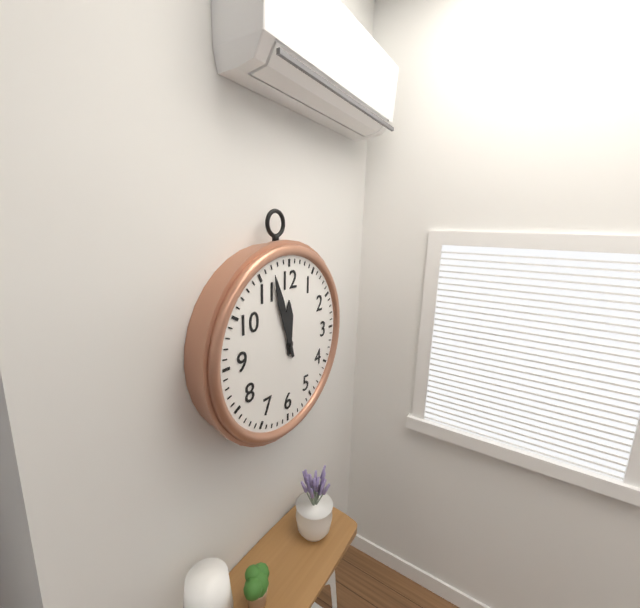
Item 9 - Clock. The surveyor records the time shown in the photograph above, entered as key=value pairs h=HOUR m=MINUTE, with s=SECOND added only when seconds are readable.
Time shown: h=11 m=57
